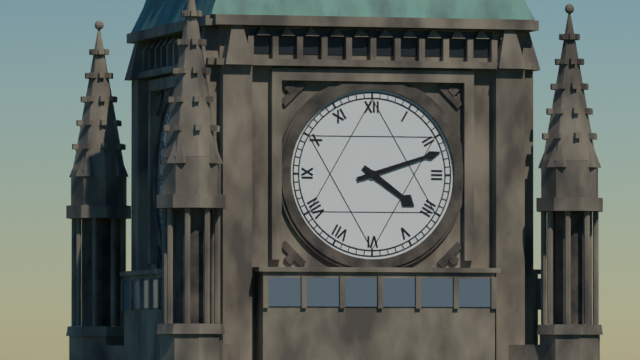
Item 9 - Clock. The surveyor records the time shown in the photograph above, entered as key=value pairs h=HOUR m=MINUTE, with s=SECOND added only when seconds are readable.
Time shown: h=4 m=12
